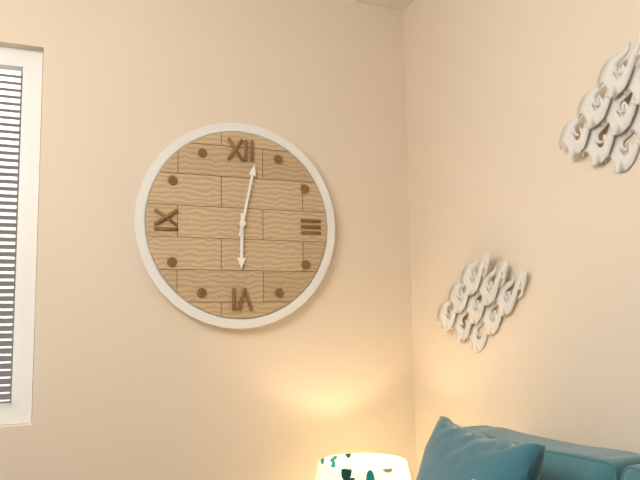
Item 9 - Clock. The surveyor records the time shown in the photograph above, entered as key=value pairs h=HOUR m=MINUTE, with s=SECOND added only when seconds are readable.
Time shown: h=6 m=2
